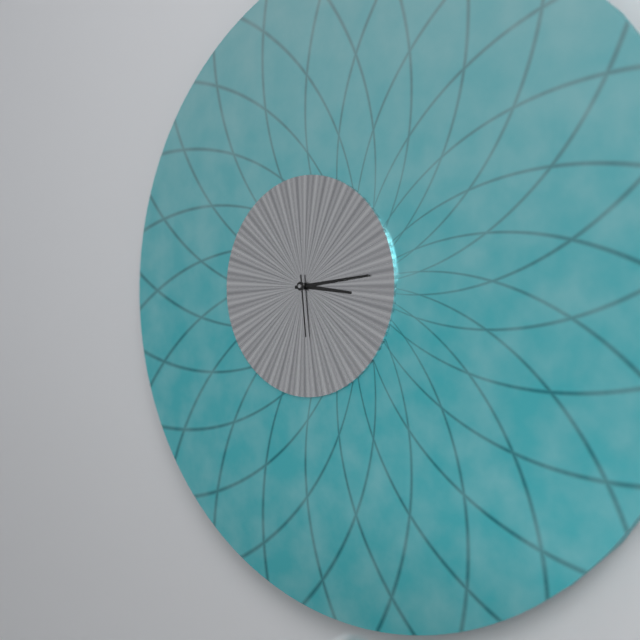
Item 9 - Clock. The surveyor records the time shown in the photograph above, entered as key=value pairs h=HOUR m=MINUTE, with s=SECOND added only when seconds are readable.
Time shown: h=3 m=14 s=29
